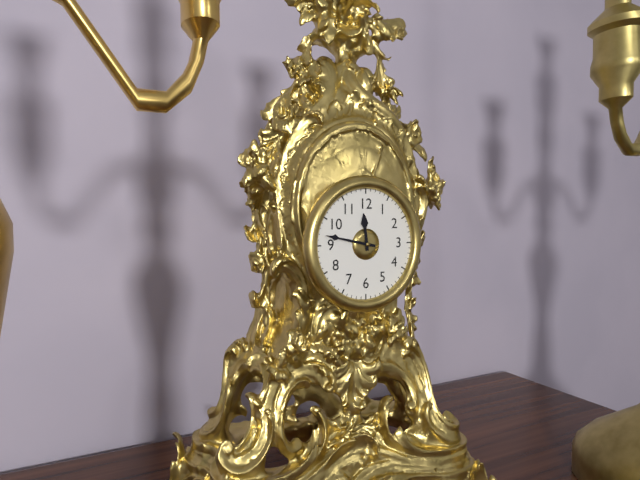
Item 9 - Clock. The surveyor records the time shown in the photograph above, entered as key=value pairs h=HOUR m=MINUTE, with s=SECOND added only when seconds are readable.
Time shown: h=11 m=47
